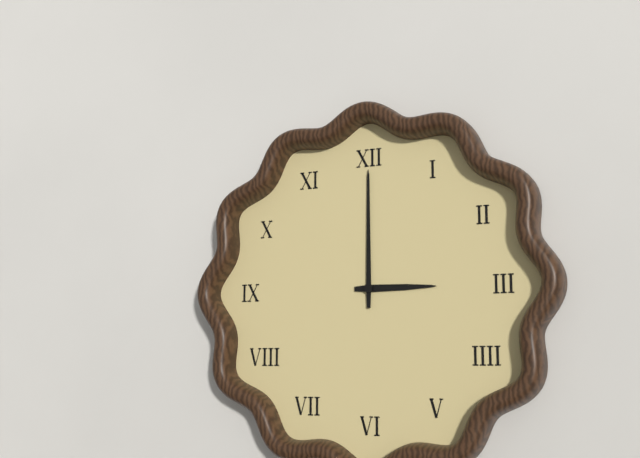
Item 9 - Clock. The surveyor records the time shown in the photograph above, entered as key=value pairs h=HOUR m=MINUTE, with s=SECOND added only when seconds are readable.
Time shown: h=3 m=0
